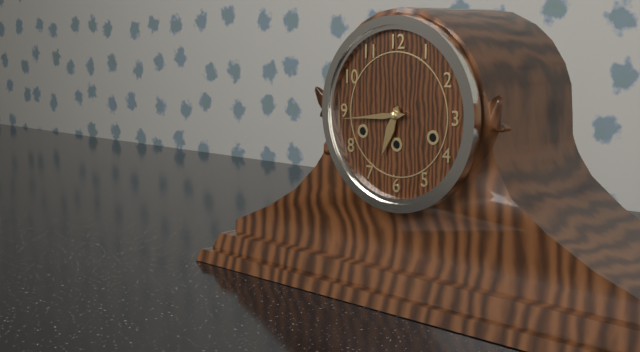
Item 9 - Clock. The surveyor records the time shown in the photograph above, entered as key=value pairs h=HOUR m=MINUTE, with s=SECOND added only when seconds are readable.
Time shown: h=6 m=44
